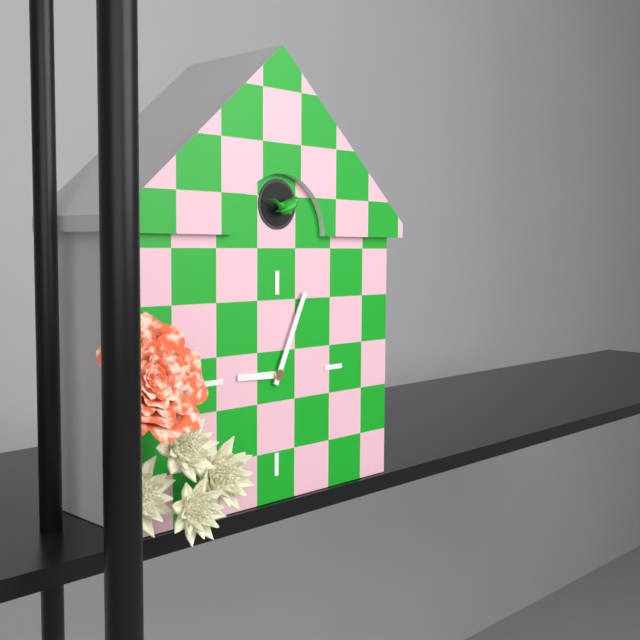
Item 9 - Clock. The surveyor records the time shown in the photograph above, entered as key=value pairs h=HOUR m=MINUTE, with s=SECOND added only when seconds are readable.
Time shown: h=9 m=4
